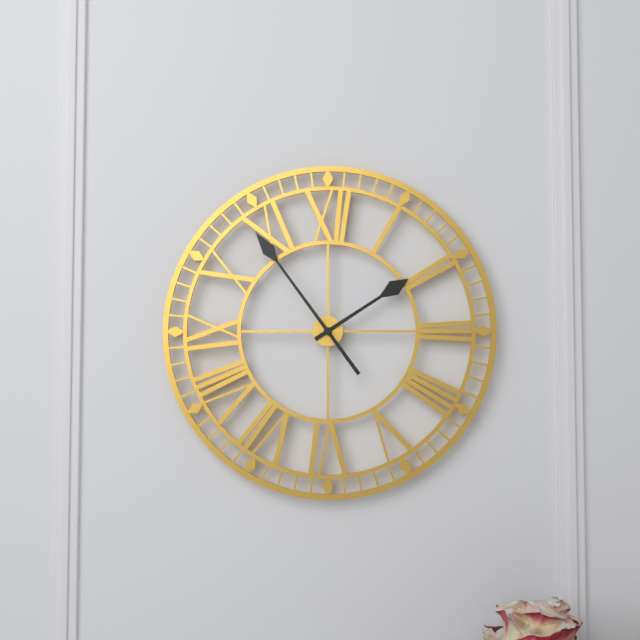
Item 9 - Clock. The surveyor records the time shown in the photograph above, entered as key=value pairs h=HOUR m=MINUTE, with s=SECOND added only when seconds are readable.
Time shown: h=1 m=54
